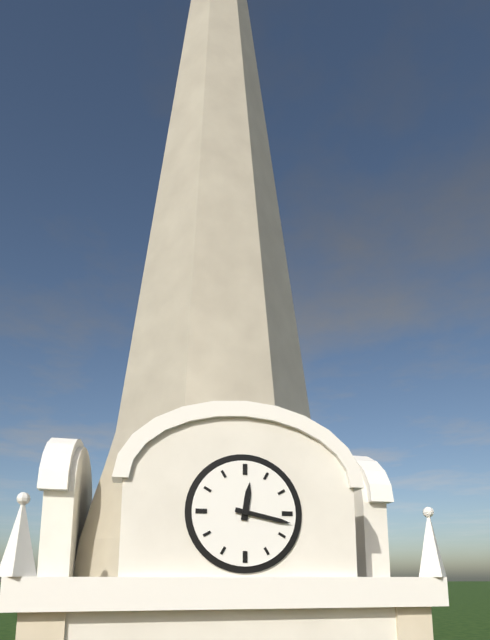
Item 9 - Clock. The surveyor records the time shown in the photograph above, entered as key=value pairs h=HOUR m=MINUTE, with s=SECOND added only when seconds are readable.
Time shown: h=12 m=17
